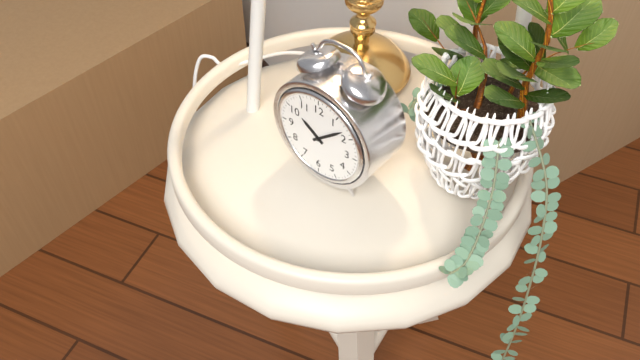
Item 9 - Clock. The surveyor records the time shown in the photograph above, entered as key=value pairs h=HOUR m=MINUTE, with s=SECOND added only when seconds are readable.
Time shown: h=10 m=8
